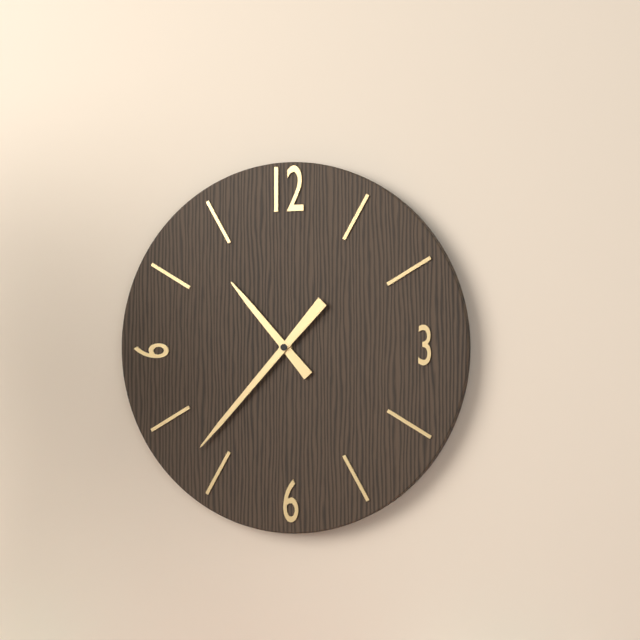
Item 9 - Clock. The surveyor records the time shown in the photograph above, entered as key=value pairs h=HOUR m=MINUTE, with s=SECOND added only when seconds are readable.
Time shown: h=10 m=37
